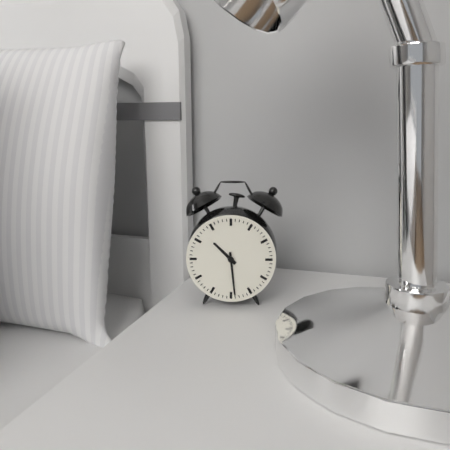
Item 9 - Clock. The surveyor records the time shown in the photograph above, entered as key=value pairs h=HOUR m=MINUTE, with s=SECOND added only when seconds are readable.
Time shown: h=10 m=29
